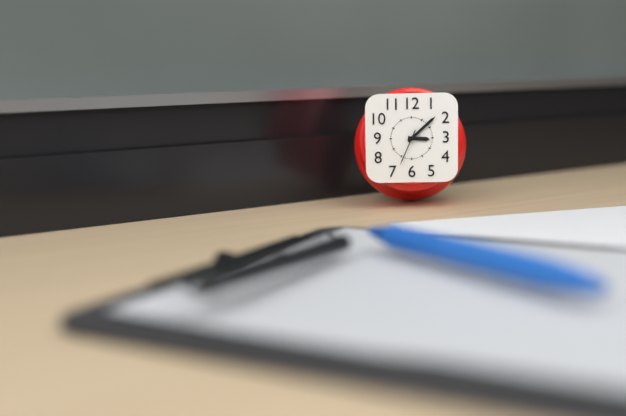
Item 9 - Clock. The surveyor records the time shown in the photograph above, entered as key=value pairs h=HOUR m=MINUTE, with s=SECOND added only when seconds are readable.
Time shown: h=3 m=8
